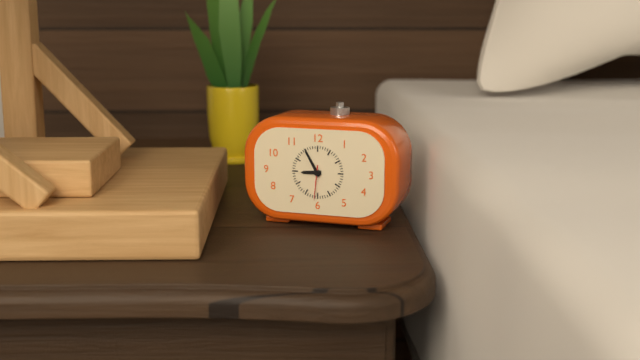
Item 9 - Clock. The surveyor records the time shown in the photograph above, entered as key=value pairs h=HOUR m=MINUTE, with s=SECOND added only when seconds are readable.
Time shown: h=8 m=55
